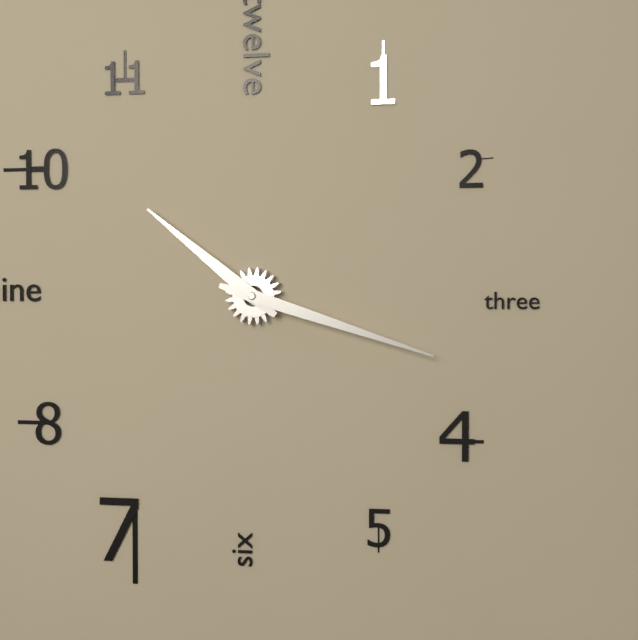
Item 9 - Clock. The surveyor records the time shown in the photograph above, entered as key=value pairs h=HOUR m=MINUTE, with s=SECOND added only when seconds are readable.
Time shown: h=10 m=18
